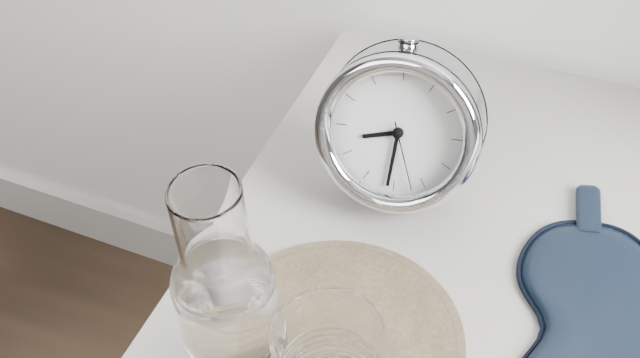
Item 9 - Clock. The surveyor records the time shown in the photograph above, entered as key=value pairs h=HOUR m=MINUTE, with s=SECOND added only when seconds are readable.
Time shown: h=8 m=31 s=27
